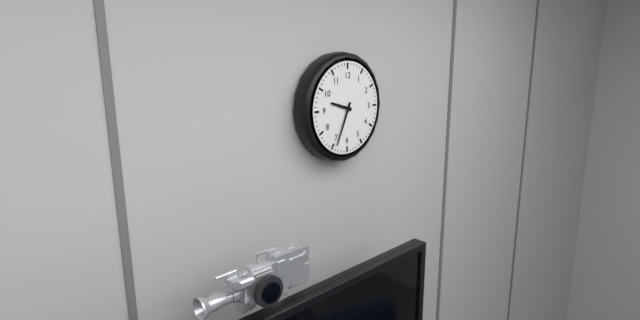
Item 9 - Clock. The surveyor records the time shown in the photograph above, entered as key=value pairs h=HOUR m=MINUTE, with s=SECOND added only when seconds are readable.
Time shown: h=9 m=34
